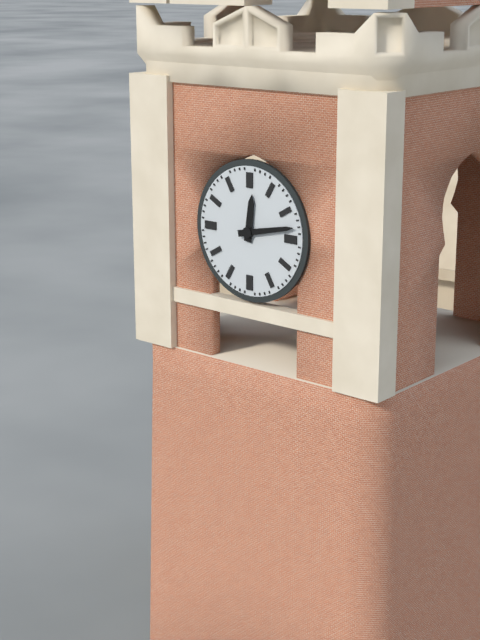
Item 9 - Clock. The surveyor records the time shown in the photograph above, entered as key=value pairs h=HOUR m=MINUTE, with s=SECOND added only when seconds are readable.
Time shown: h=12 m=13
